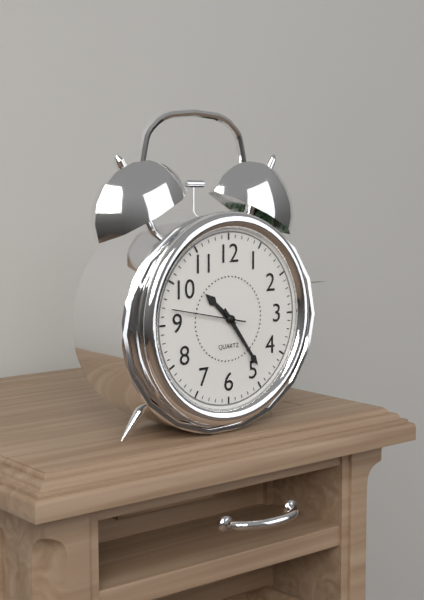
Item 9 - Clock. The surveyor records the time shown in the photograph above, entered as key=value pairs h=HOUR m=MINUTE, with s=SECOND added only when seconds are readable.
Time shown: h=10 m=24 s=47
